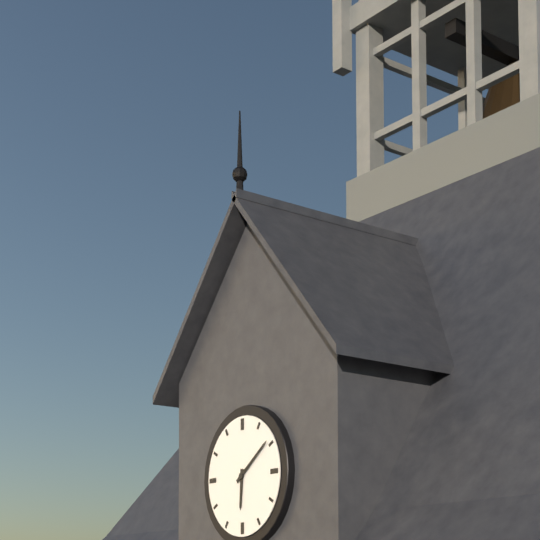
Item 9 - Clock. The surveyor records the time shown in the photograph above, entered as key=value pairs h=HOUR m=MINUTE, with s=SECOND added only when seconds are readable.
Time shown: h=6 m=9
